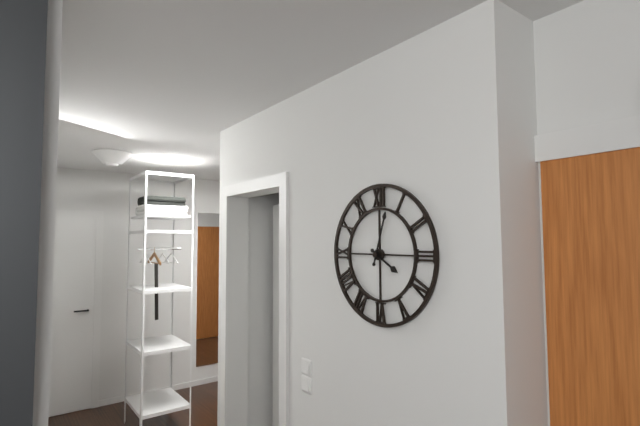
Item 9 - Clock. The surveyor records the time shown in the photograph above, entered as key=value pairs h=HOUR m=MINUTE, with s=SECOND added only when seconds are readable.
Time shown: h=4 m=3
